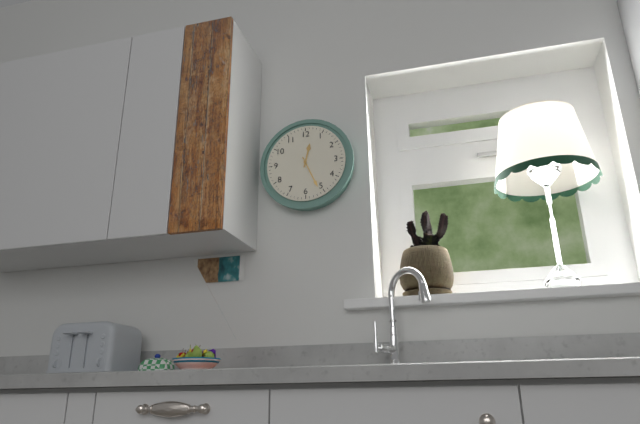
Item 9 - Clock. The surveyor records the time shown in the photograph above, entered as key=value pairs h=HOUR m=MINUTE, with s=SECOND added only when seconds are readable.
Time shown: h=12 m=26
